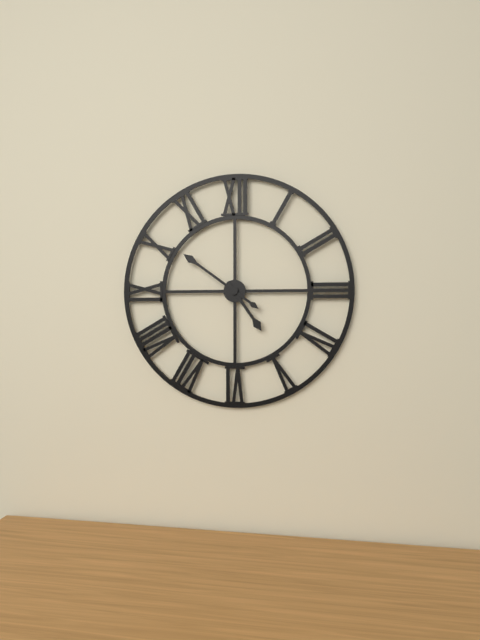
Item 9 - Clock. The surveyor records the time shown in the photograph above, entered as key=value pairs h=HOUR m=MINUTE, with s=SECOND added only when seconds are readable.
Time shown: h=4 m=51
